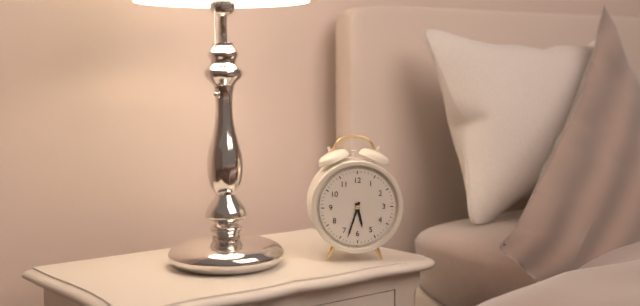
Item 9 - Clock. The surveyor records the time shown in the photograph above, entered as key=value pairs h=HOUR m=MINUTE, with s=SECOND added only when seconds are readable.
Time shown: h=5 m=33
